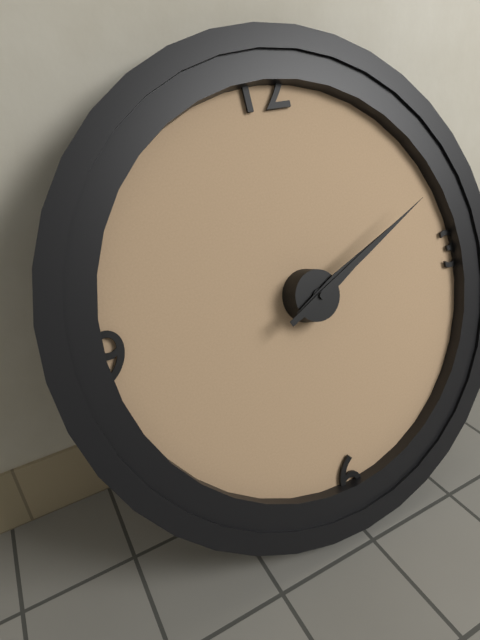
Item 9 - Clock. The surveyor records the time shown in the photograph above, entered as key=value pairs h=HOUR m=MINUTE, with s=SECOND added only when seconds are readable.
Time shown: h=2 m=11
